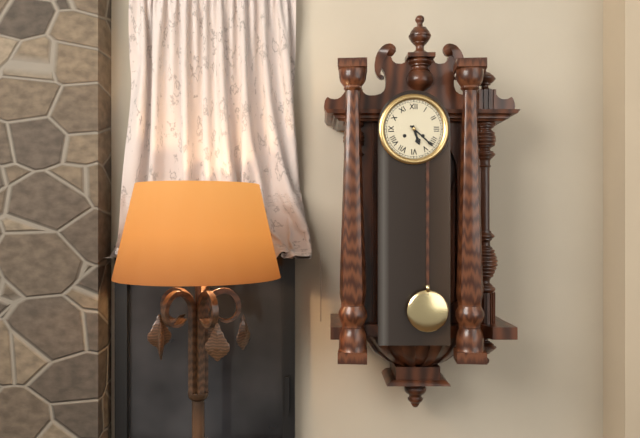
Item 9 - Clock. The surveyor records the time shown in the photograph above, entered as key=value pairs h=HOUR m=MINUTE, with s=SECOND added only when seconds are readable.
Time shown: h=5 m=22
